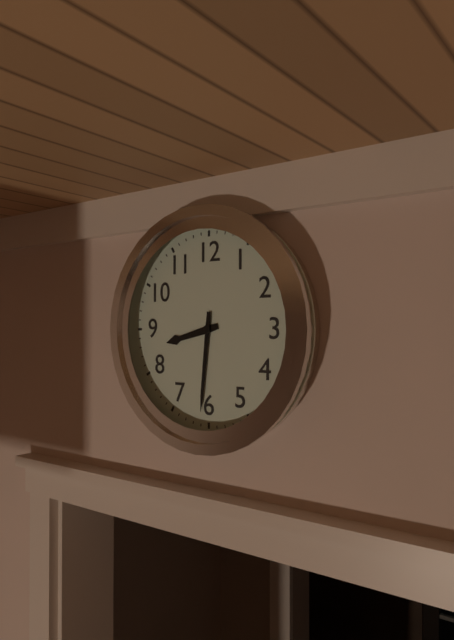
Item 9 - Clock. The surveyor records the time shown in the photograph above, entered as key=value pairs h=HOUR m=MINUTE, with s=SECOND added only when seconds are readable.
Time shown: h=8 m=31
